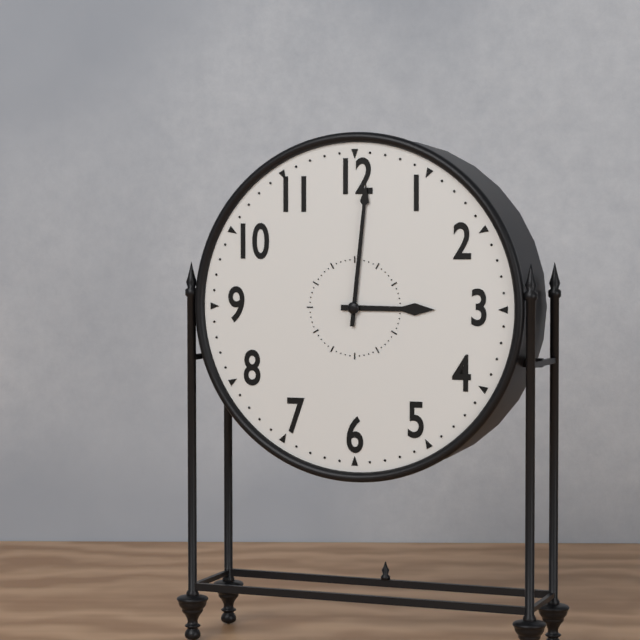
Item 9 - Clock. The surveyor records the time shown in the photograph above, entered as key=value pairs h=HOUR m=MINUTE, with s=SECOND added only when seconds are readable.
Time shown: h=3 m=1
